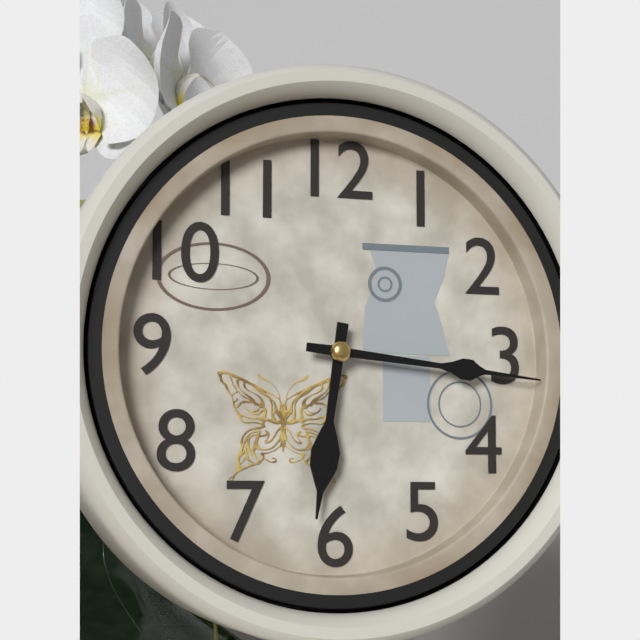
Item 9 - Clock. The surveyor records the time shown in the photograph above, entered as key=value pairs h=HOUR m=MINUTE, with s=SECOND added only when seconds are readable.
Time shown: h=6 m=16
